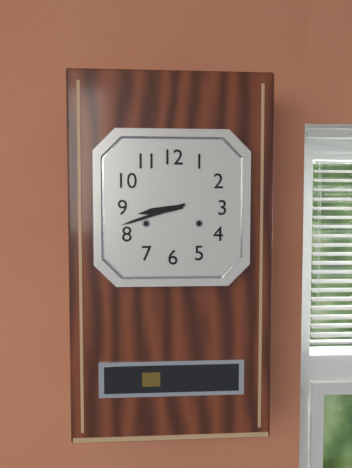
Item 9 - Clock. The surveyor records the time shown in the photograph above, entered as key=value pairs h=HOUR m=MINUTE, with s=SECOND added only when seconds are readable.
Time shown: h=8 m=42
